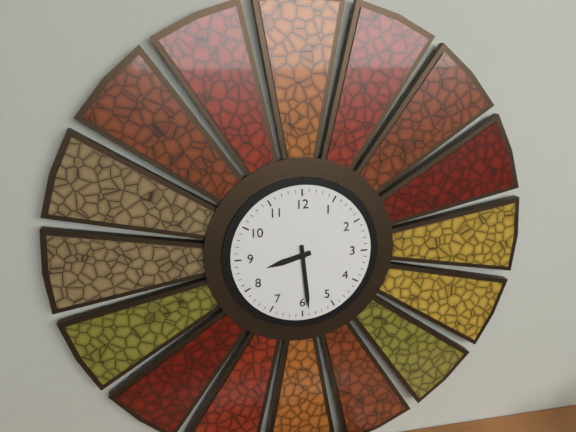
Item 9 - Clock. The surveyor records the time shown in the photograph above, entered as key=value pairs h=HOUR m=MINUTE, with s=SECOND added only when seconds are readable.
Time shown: h=8 m=29
